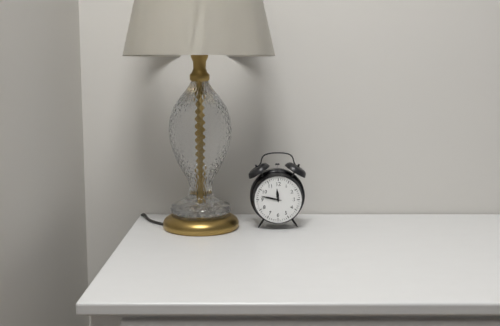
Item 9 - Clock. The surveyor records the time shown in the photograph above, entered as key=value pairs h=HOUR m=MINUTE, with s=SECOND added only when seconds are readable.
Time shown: h=11 m=47
